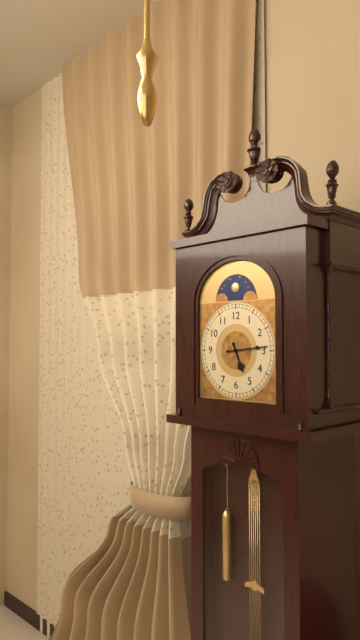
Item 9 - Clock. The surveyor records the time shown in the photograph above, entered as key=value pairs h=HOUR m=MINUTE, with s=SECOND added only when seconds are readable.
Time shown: h=5 m=14
